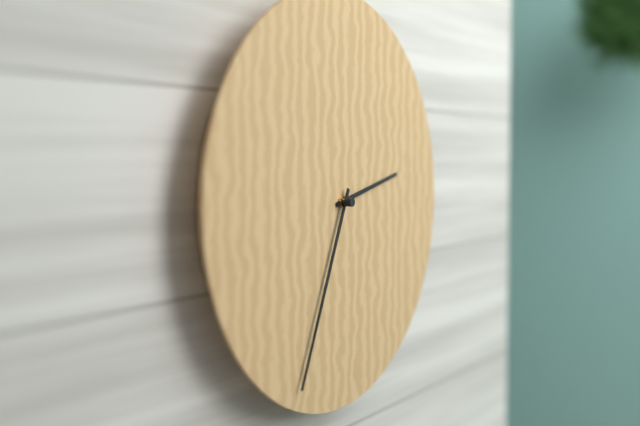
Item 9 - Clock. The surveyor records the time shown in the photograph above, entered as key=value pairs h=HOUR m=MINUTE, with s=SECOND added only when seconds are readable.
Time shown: h=2 m=34
